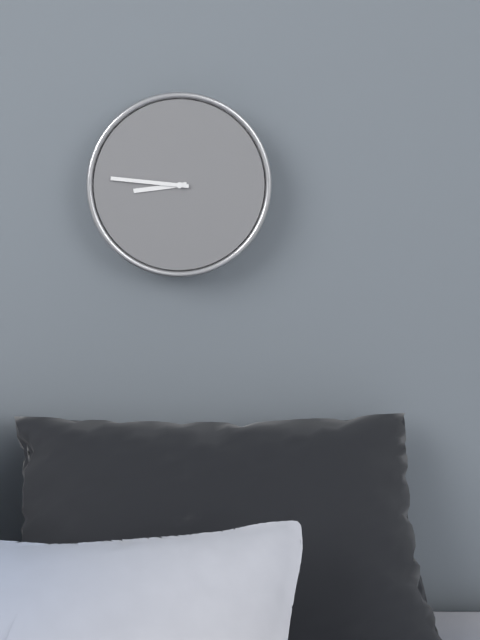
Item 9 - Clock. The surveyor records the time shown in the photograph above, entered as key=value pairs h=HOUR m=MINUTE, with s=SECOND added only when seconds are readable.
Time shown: h=8 m=46
